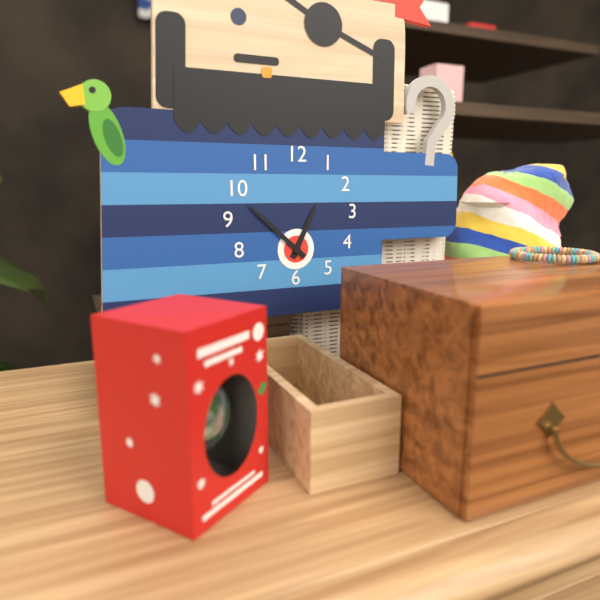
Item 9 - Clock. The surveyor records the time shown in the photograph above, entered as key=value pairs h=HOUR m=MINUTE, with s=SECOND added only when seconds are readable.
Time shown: h=12 m=52
